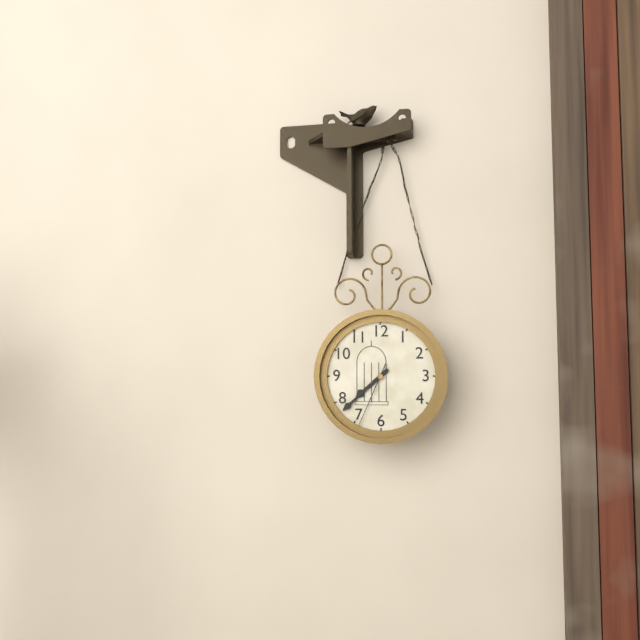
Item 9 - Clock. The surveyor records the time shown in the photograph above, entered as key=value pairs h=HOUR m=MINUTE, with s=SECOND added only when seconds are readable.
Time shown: h=7 m=38 s=34
